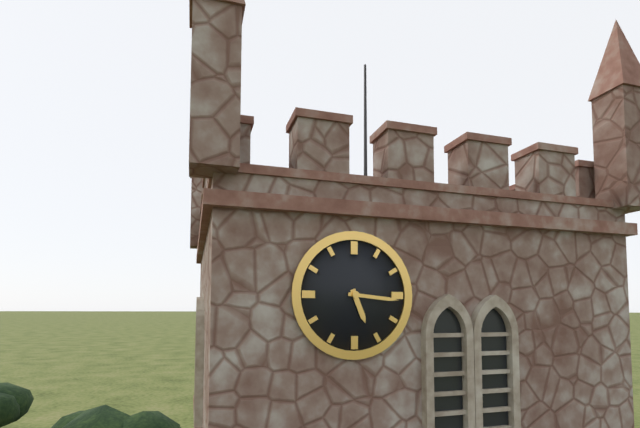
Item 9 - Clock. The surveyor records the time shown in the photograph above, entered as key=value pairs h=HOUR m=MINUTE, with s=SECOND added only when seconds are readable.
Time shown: h=5 m=16
